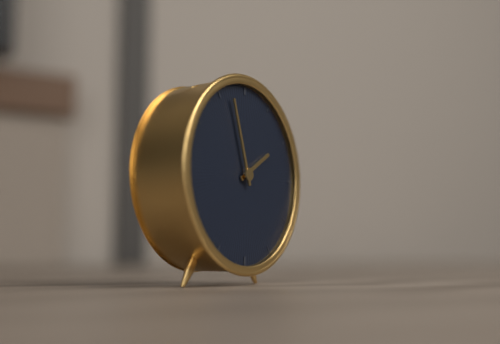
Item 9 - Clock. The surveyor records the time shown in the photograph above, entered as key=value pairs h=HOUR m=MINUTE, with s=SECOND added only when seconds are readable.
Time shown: h=1 m=57
